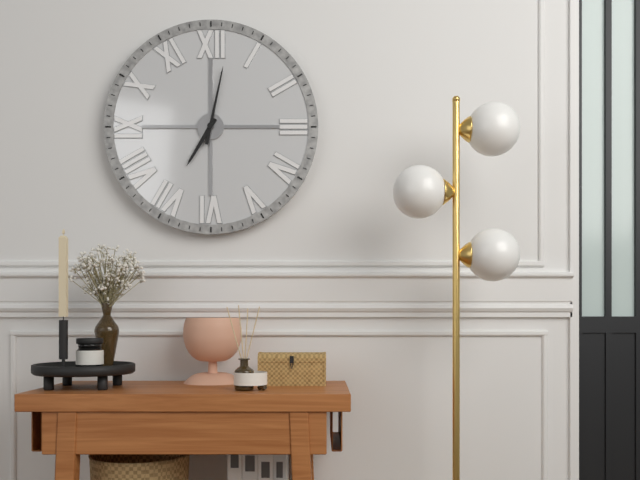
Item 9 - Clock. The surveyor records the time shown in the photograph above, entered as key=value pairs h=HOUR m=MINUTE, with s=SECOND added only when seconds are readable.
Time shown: h=7 m=2
